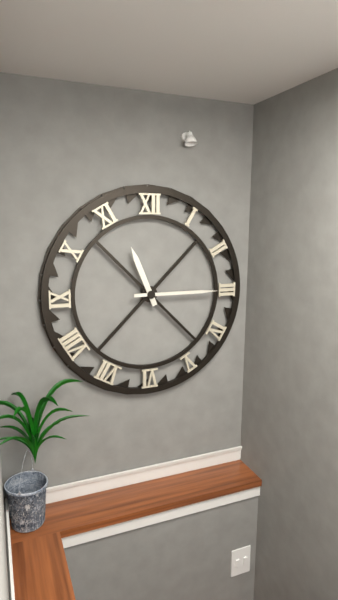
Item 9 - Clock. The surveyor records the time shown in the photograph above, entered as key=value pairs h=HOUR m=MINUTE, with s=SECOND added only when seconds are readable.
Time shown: h=11 m=15
